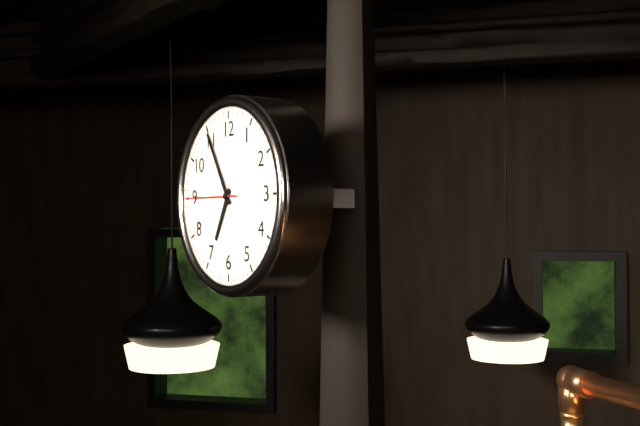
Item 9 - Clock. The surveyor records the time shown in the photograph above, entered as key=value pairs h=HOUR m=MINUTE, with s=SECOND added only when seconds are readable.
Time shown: h=6 m=55
